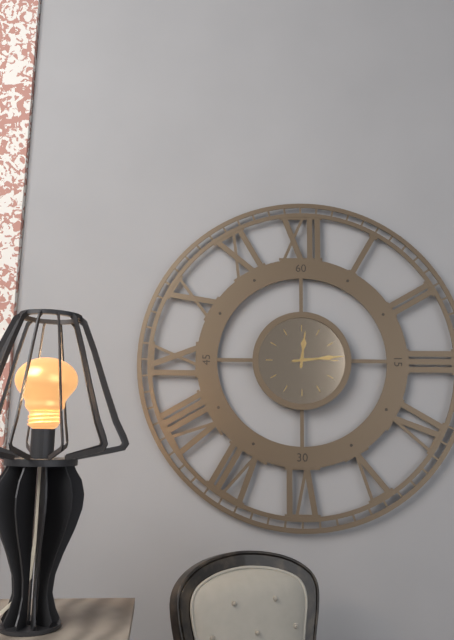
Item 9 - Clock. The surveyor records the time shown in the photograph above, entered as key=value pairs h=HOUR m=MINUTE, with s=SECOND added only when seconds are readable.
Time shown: h=12 m=14
